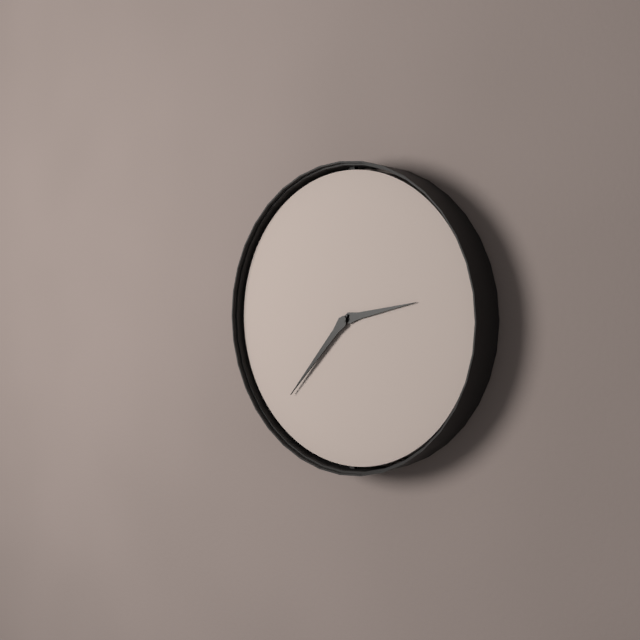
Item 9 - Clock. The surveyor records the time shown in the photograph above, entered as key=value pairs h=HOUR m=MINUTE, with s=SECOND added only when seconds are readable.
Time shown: h=2 m=37
